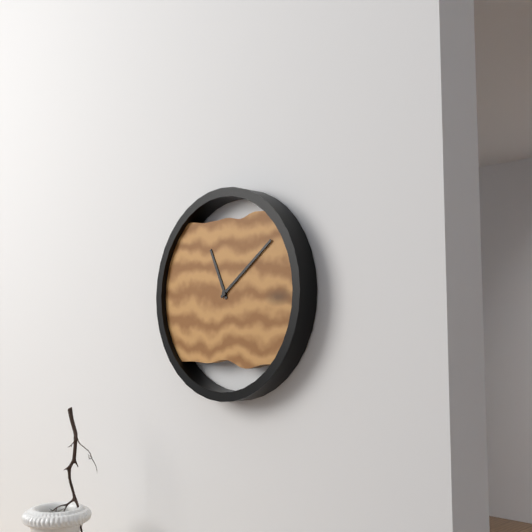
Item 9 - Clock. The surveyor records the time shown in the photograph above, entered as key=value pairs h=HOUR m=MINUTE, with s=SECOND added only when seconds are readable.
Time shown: h=11 m=9
